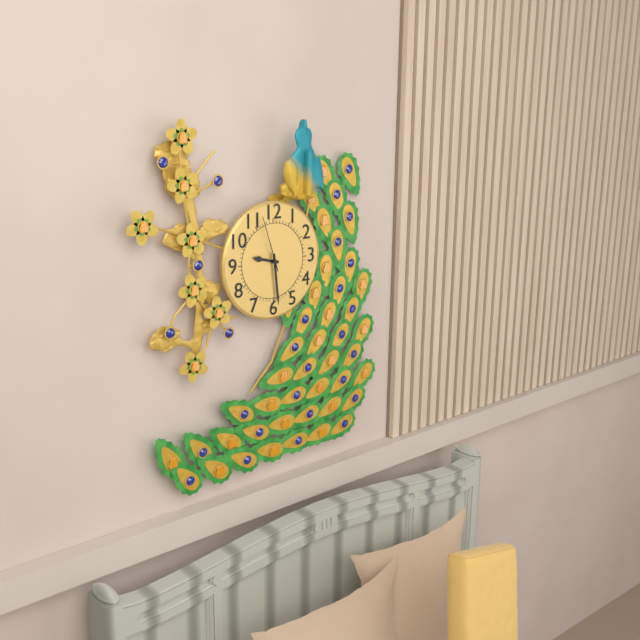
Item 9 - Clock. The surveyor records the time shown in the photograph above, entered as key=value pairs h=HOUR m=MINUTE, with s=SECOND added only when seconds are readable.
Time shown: h=9 m=29 s=57
